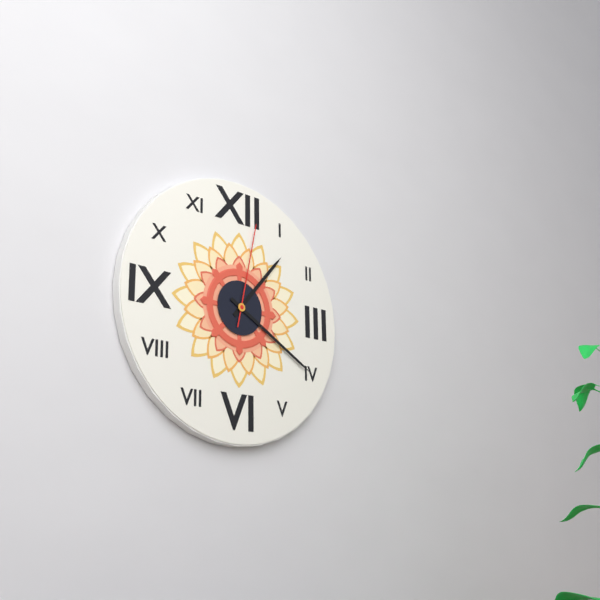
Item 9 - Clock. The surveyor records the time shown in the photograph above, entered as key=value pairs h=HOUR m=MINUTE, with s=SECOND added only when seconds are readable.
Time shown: h=1 m=20 s=2
